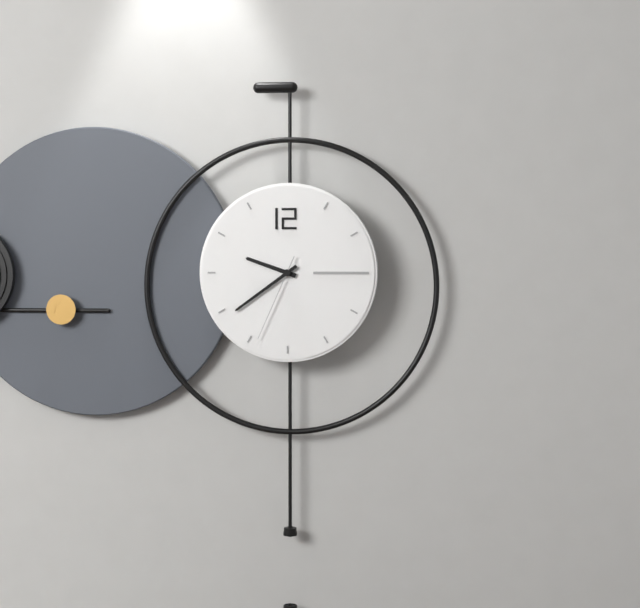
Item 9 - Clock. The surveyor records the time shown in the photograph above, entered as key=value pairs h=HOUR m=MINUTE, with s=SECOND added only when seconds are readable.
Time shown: h=9 m=39 s=34
